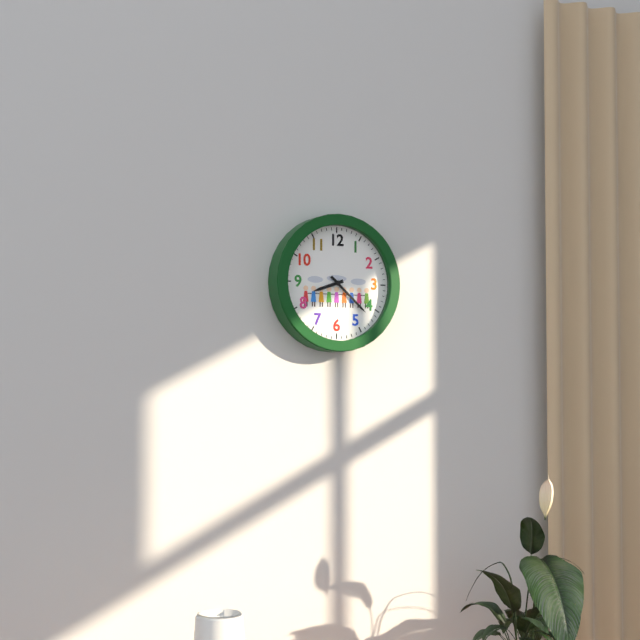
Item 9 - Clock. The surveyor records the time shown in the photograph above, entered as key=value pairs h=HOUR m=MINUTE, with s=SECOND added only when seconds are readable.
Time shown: h=8 m=22
